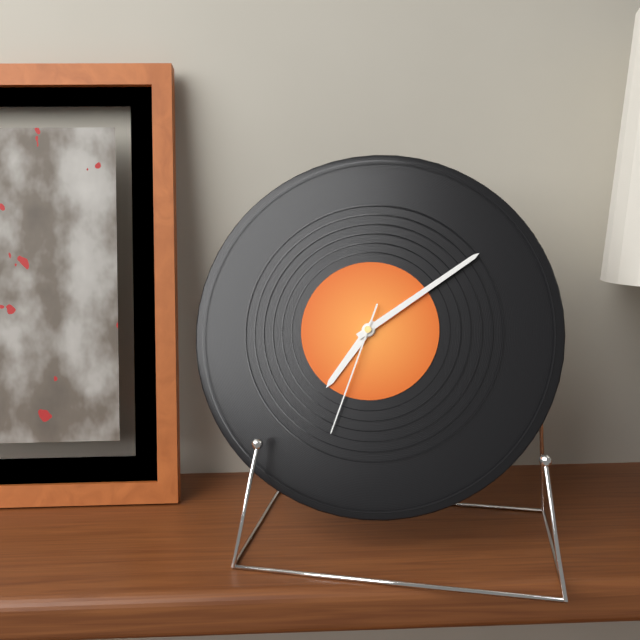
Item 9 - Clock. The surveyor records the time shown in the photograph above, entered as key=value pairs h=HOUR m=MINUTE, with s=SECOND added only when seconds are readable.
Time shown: h=7 m=9 s=33
